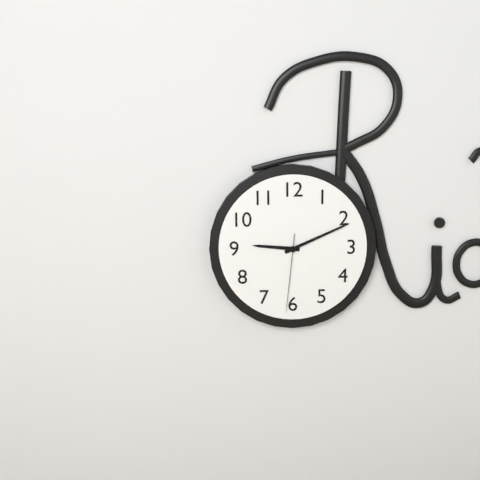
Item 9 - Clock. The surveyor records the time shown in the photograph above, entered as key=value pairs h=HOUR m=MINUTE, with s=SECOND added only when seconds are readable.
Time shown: h=9 m=11 s=31
